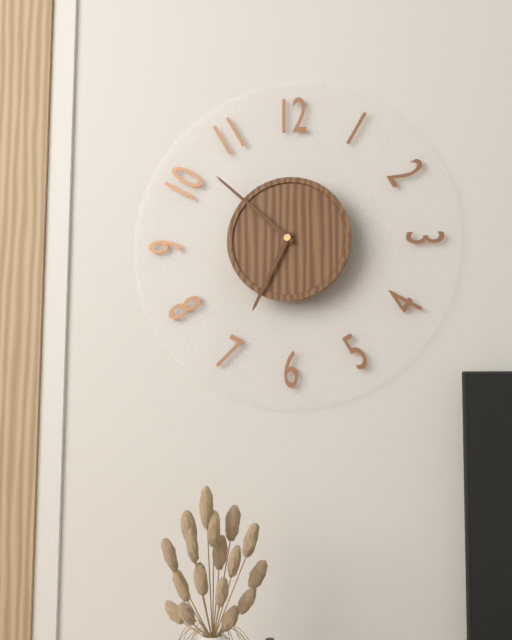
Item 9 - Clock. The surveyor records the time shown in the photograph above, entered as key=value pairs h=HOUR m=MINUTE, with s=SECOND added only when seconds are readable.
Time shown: h=6 m=52
